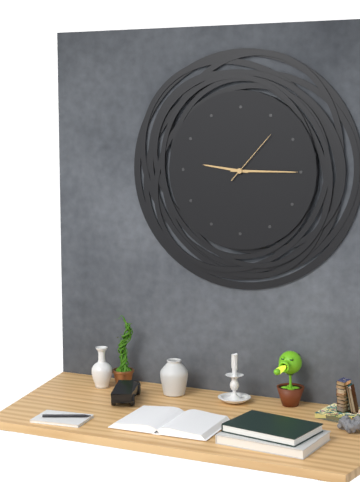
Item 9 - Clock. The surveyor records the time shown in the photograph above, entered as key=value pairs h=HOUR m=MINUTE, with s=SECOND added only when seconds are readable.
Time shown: h=9 m=15 s=7
